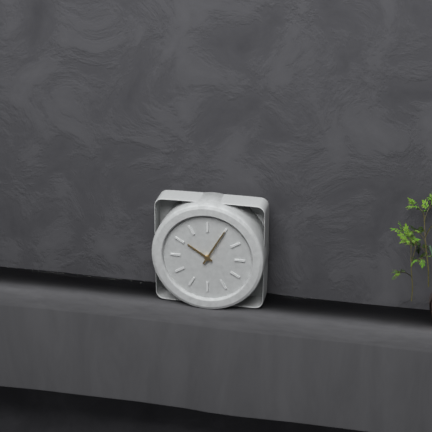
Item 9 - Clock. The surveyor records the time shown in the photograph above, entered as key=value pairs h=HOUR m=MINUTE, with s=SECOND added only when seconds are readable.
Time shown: h=10 m=5
